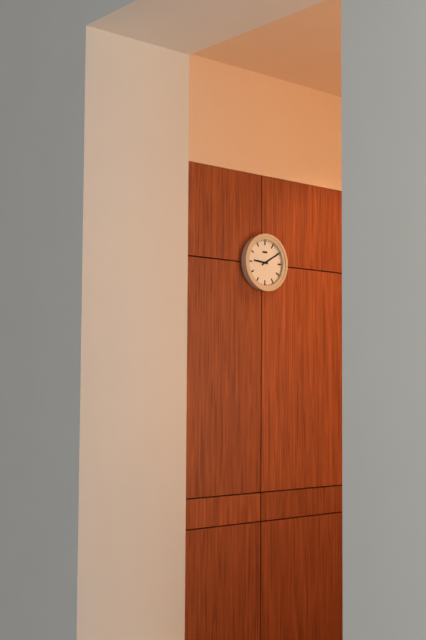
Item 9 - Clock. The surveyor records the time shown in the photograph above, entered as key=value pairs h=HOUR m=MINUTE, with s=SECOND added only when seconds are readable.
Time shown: h=9 m=10
